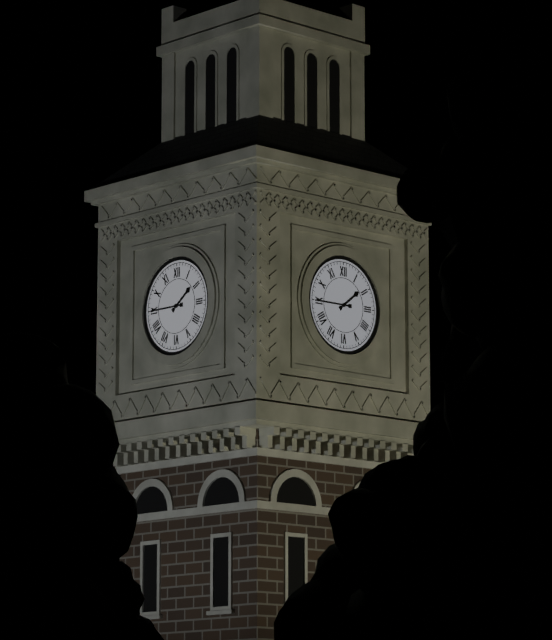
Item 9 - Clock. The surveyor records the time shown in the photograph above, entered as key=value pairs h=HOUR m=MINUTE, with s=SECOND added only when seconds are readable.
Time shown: h=1 m=45
